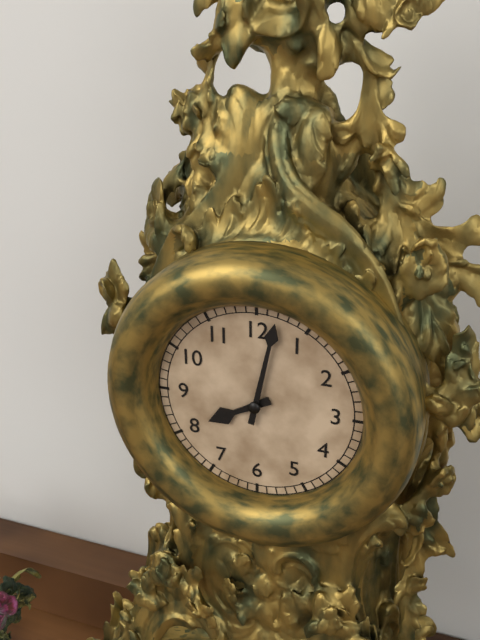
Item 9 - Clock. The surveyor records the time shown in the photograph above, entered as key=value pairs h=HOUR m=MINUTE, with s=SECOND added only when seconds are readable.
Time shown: h=8 m=2
